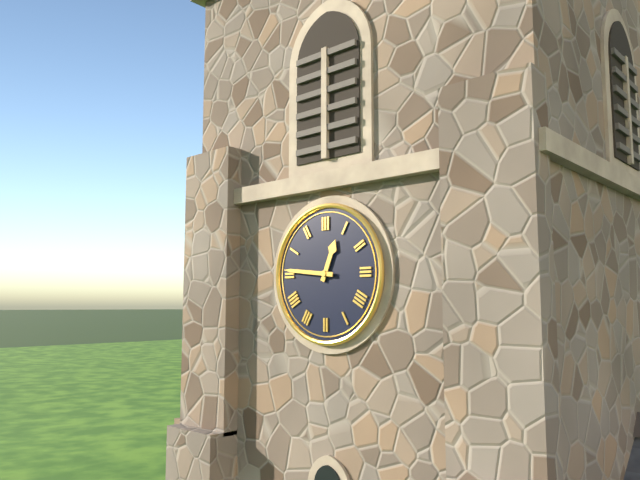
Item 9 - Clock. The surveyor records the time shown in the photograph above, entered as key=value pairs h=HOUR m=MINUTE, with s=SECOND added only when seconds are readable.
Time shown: h=12 m=46
